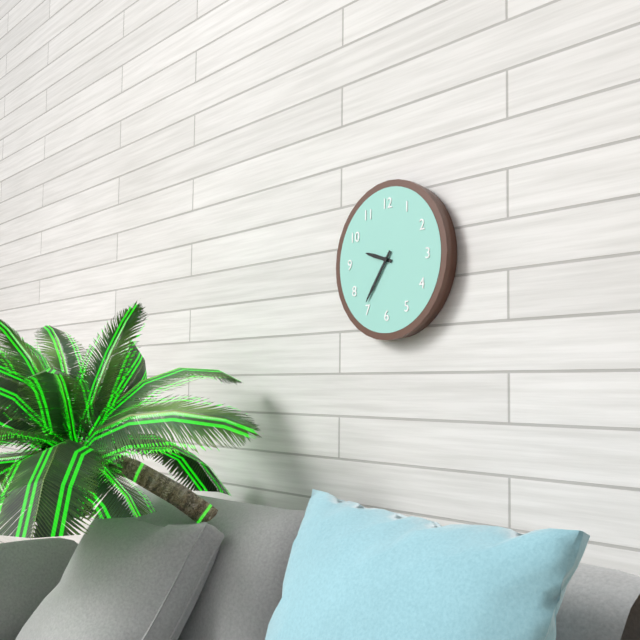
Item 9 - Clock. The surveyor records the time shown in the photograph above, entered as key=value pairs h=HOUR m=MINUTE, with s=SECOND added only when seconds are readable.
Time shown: h=9 m=36
